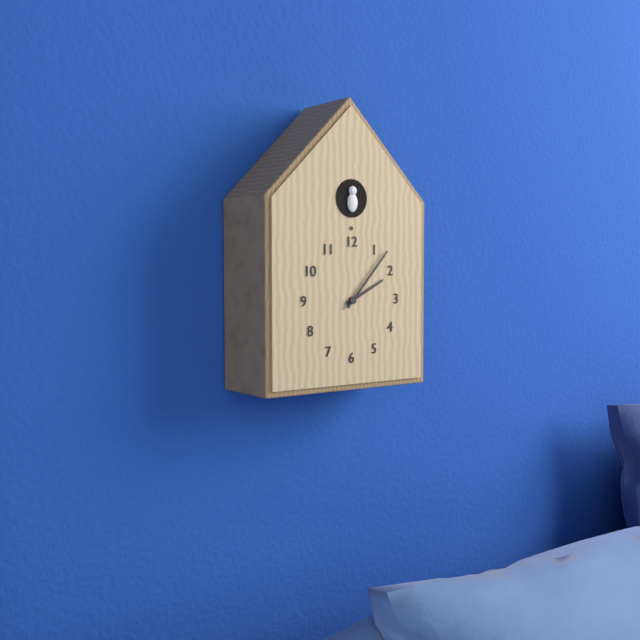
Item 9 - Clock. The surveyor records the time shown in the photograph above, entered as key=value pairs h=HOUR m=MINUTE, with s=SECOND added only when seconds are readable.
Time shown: h=2 m=7
